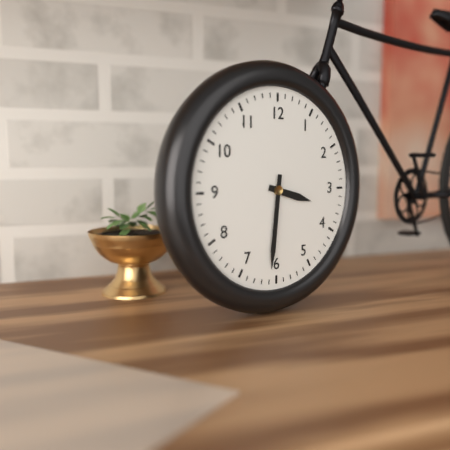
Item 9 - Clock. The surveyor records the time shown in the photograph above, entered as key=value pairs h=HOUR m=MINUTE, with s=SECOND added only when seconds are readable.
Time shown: h=3 m=31
